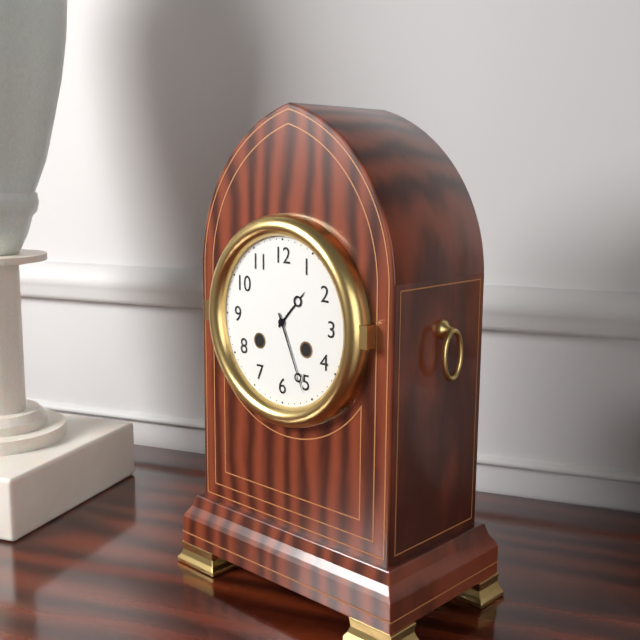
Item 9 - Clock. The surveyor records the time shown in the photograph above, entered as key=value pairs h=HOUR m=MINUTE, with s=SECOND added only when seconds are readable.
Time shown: h=1 m=26
